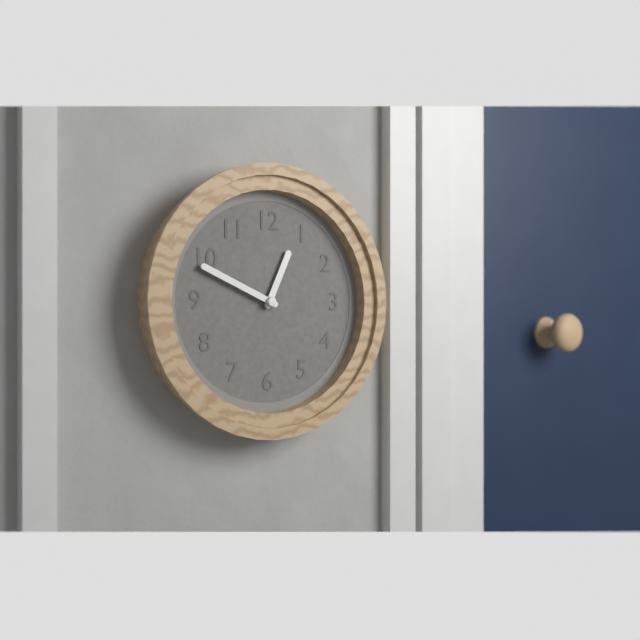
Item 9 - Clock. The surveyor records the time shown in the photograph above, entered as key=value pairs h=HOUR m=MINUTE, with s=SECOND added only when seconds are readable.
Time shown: h=12 m=49
